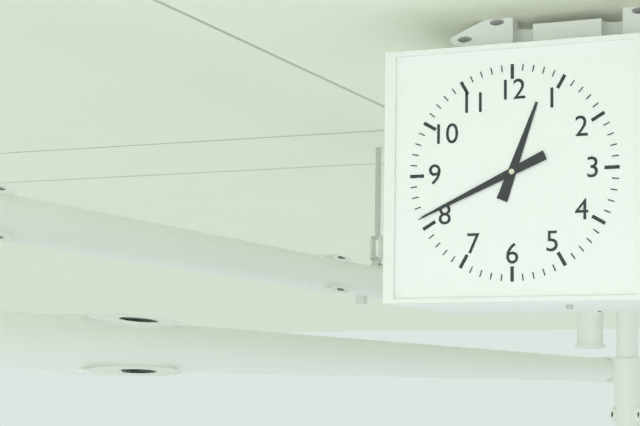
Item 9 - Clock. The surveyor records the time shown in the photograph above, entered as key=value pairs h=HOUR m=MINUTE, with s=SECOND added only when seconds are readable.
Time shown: h=12 m=41
